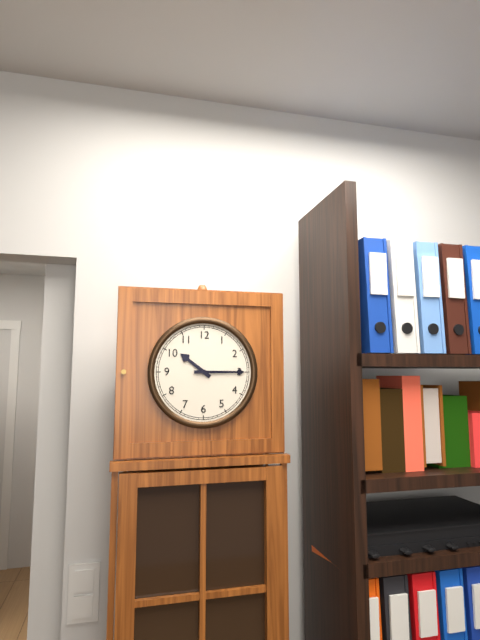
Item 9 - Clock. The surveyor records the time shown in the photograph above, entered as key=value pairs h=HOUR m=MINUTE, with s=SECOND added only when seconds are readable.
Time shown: h=10 m=15
